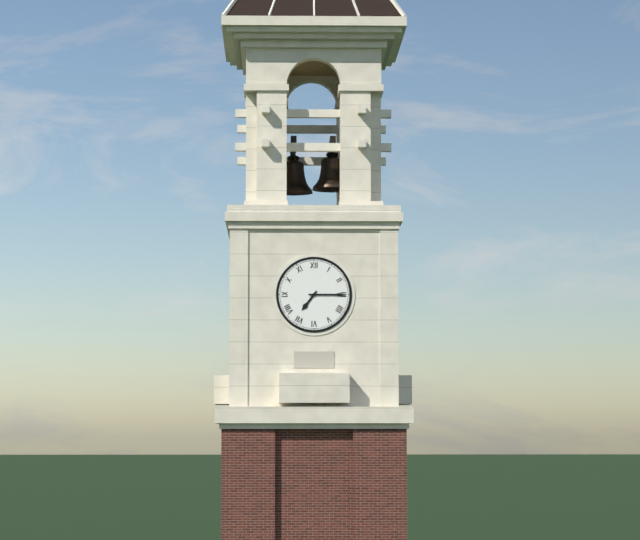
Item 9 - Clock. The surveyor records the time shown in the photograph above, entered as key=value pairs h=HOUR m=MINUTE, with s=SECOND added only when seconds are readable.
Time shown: h=7 m=15
